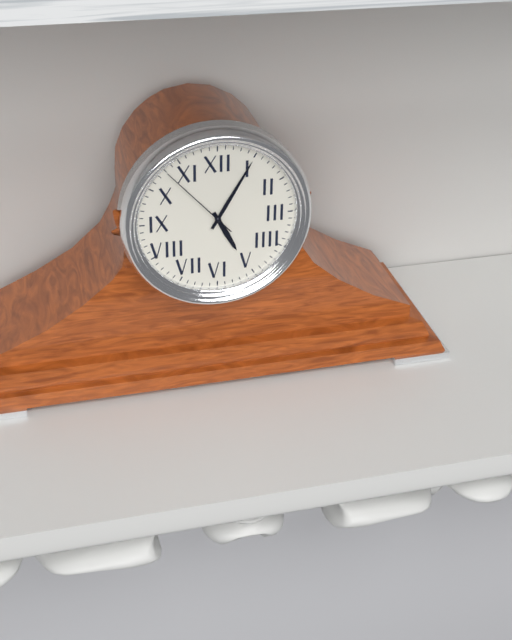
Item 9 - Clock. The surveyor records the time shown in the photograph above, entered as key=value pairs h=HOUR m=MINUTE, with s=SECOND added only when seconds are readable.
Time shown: h=5 m=5 s=53
